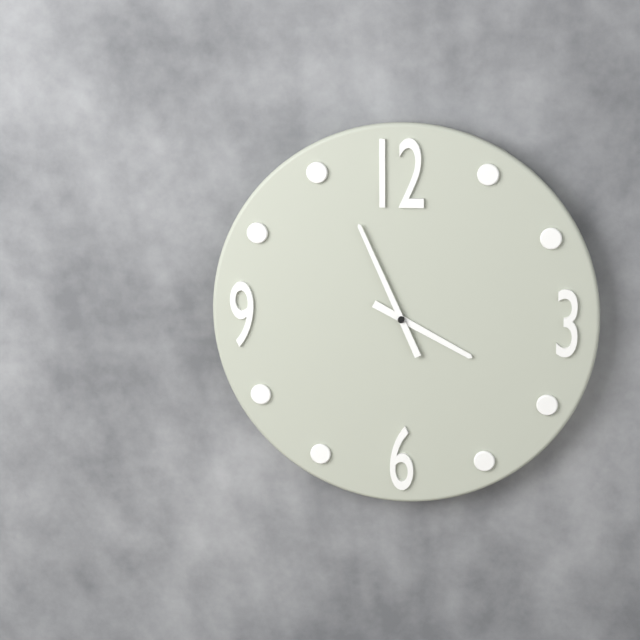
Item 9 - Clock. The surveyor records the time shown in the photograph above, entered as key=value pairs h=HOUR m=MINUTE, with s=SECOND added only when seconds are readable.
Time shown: h=3 m=56
